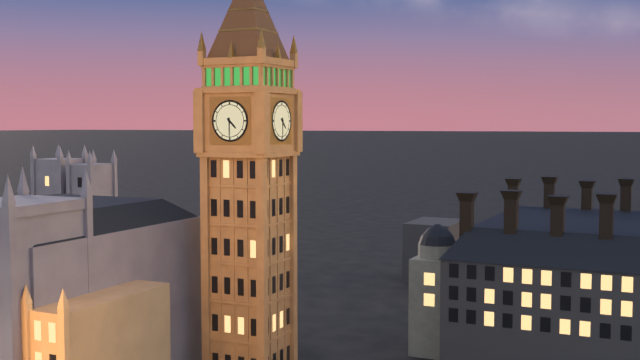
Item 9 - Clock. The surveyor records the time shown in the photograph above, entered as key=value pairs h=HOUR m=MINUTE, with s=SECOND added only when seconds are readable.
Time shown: h=4 m=30
